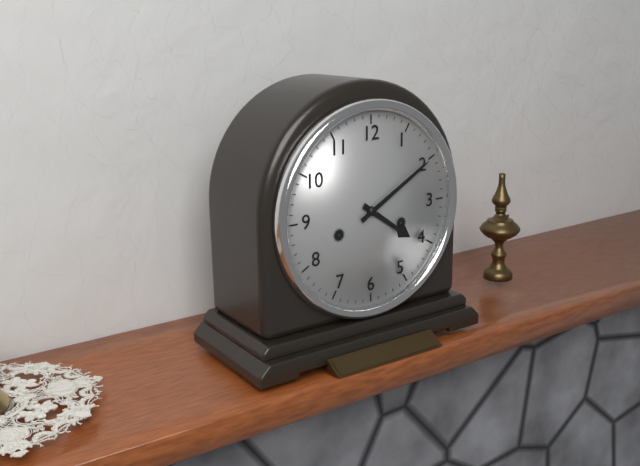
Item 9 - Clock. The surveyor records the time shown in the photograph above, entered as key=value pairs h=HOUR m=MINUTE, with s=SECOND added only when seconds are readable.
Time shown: h=4 m=10
